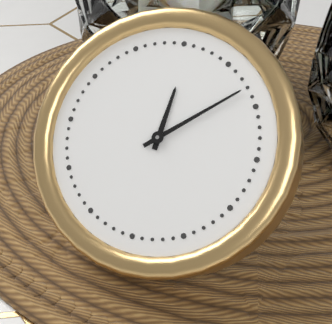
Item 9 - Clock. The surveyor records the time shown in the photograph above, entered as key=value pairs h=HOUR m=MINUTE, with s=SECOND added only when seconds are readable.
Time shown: h=12 m=8
